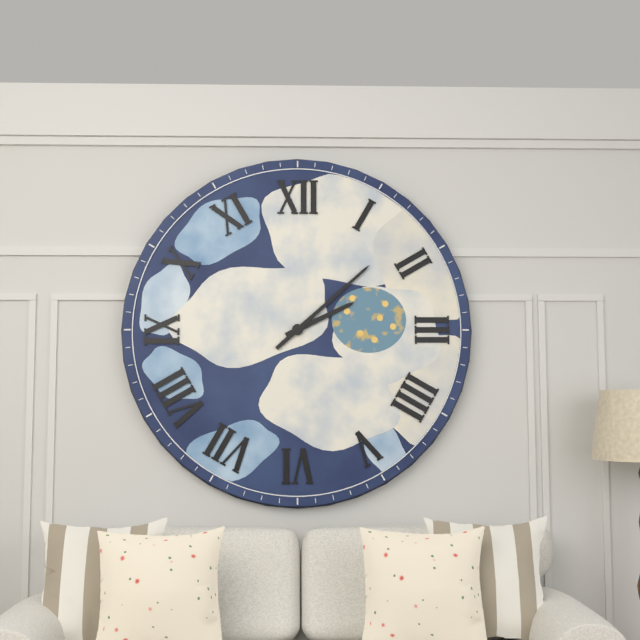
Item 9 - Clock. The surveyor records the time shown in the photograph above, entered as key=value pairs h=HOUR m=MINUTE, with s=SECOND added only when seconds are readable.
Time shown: h=2 m=8
